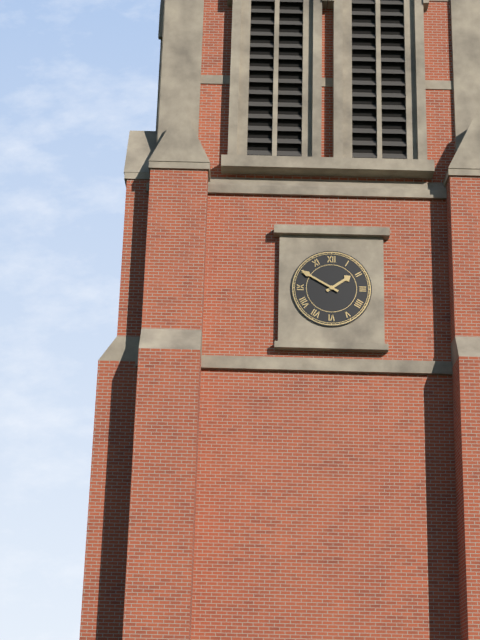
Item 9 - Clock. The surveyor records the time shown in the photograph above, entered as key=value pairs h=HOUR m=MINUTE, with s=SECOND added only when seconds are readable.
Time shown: h=1 m=50
